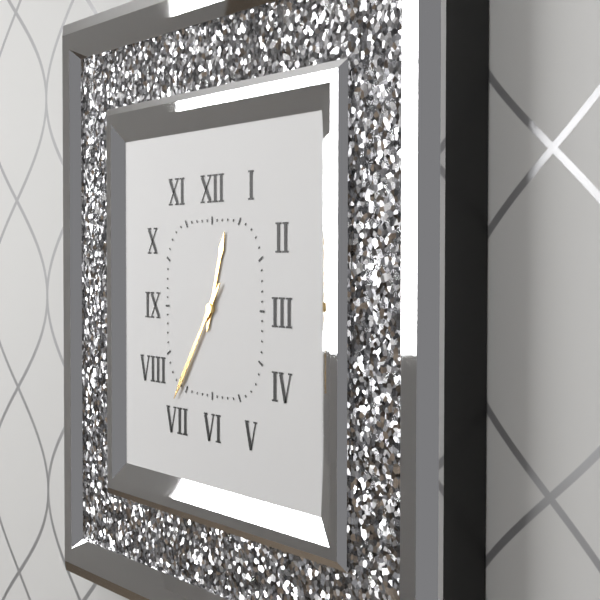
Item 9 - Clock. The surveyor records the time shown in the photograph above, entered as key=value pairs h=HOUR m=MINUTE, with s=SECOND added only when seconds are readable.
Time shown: h=12 m=36
